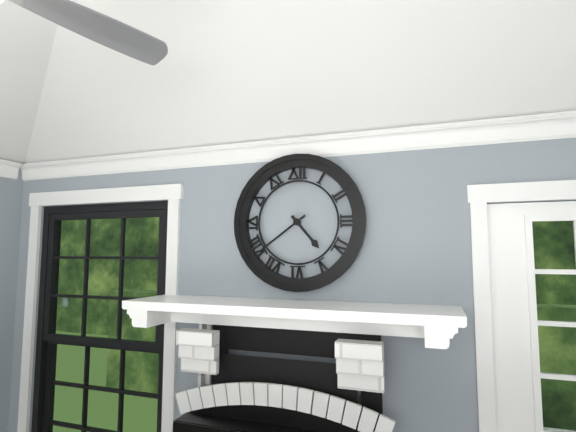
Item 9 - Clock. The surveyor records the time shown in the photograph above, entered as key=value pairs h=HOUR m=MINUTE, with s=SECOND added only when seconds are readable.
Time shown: h=4 m=39
